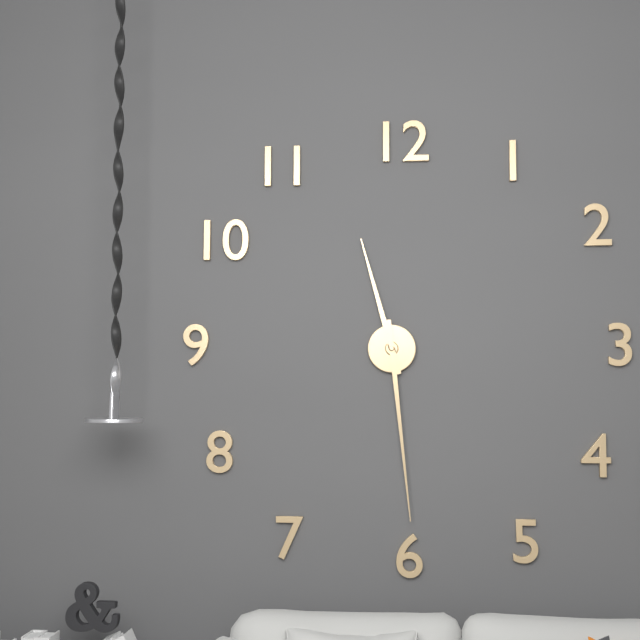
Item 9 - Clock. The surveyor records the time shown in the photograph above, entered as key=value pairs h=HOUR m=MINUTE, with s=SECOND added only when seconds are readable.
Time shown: h=11 m=29
